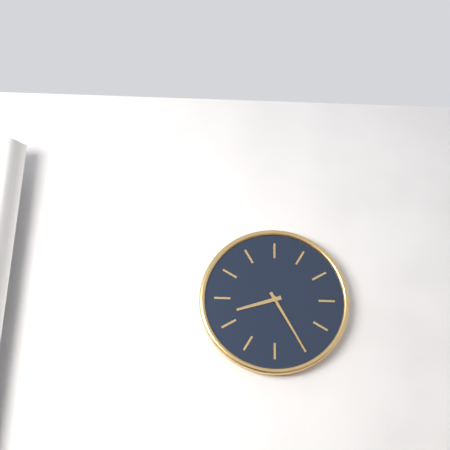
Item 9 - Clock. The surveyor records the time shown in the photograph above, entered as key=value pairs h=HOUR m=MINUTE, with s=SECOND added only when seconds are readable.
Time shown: h=8 m=25
